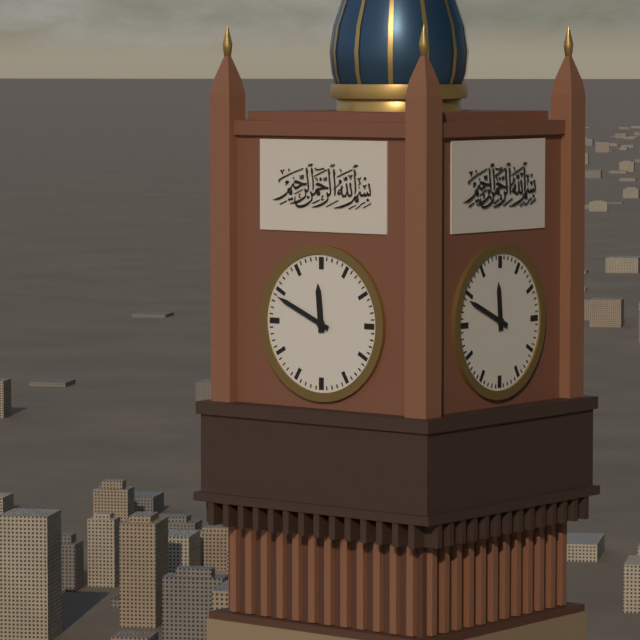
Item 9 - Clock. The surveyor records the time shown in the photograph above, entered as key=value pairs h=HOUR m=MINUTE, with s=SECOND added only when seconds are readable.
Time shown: h=11 m=49
